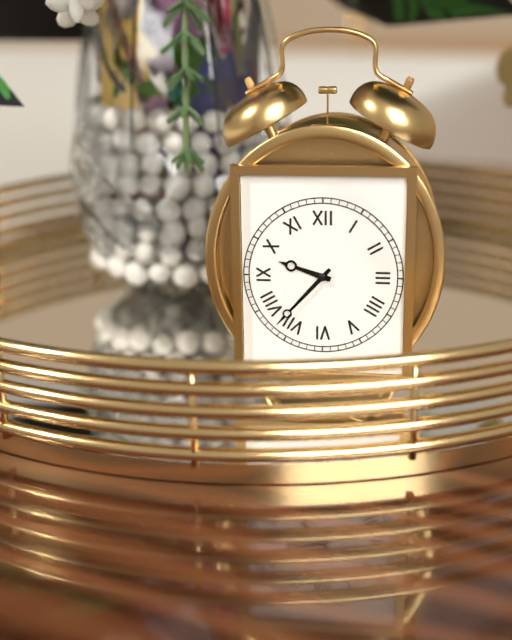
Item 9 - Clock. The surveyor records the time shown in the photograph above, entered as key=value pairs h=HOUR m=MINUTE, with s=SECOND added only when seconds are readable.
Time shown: h=9 m=37
